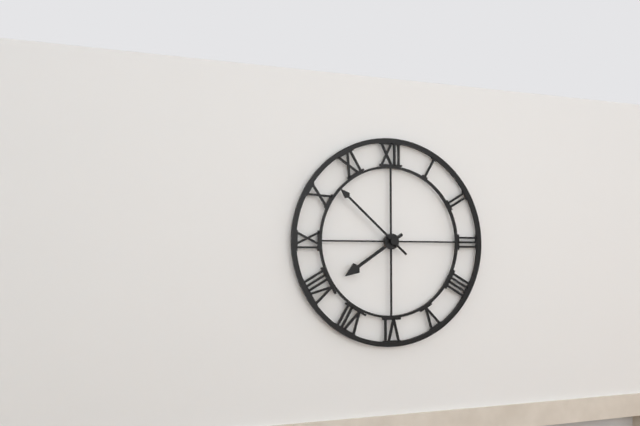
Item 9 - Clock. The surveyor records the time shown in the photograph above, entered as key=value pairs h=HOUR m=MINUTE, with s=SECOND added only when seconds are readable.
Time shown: h=7 m=52
